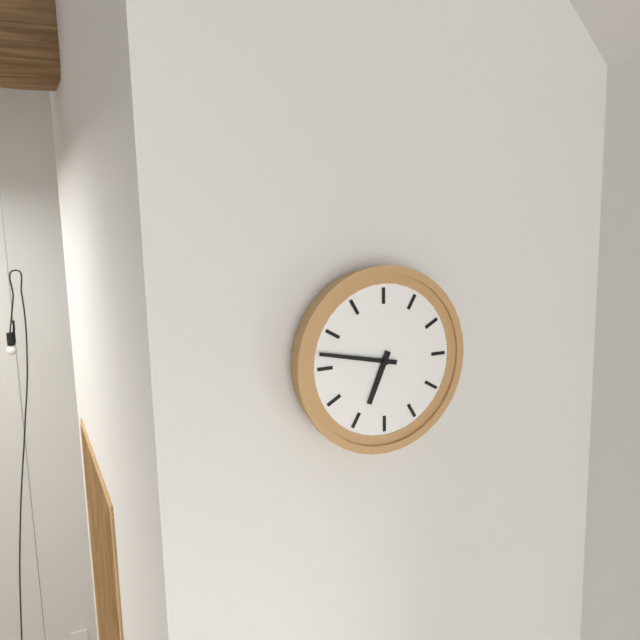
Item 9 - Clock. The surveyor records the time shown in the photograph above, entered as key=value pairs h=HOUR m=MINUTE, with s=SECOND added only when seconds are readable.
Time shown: h=6 m=47
